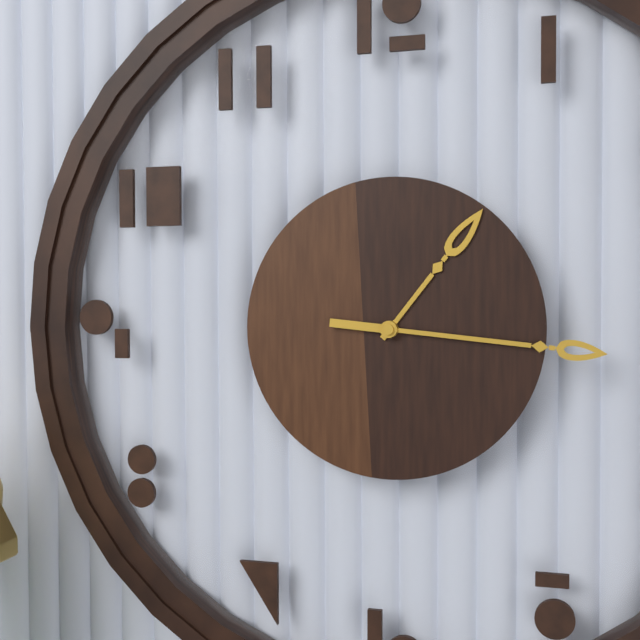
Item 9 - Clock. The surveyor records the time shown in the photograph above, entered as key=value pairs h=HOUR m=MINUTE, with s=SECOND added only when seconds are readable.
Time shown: h=1 m=16
